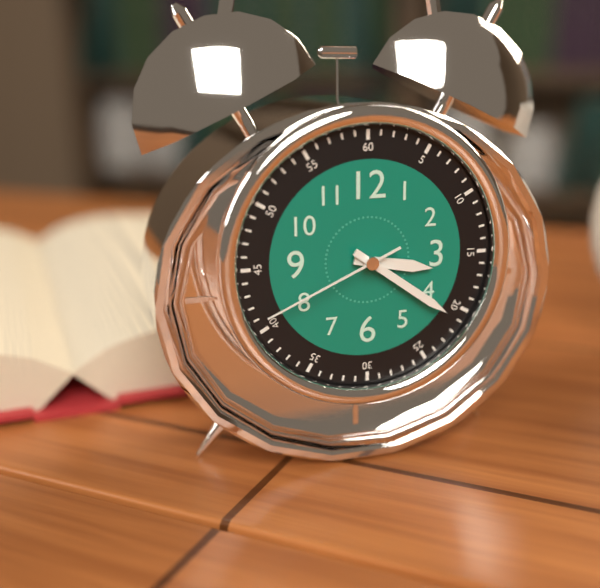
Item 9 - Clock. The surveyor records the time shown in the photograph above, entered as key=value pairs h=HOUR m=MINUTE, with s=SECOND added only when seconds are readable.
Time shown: h=3 m=21 s=41
